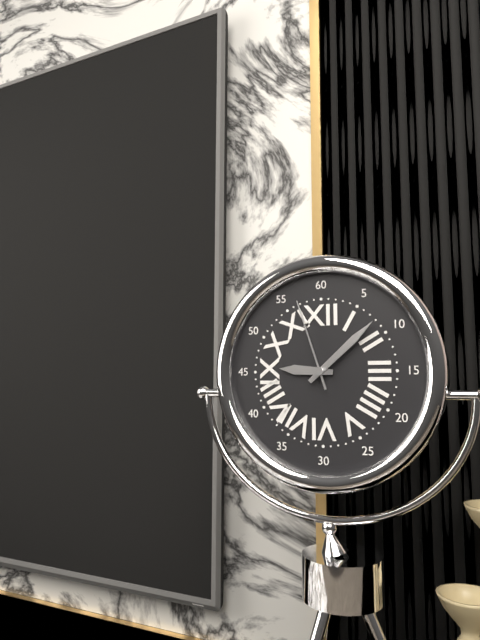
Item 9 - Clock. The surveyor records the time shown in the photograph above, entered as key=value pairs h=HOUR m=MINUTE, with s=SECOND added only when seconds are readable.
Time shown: h=9 m=8 s=57
